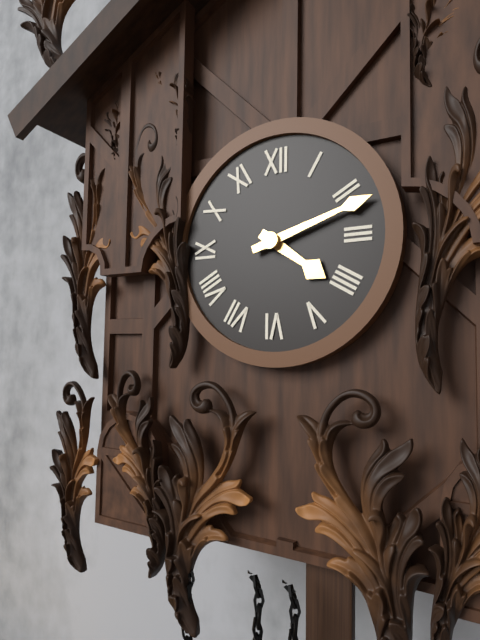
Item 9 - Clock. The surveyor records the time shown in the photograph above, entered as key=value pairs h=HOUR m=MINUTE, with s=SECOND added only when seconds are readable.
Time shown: h=4 m=12
